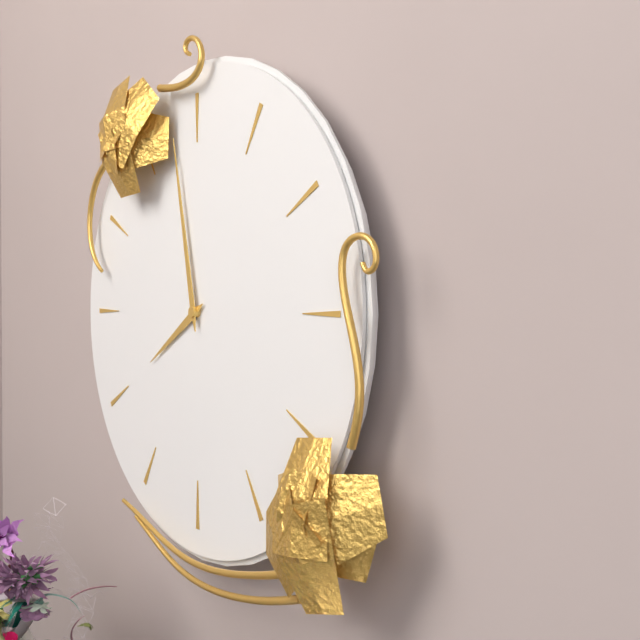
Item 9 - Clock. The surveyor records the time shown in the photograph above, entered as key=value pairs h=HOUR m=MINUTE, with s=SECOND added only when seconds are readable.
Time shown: h=7 m=58
